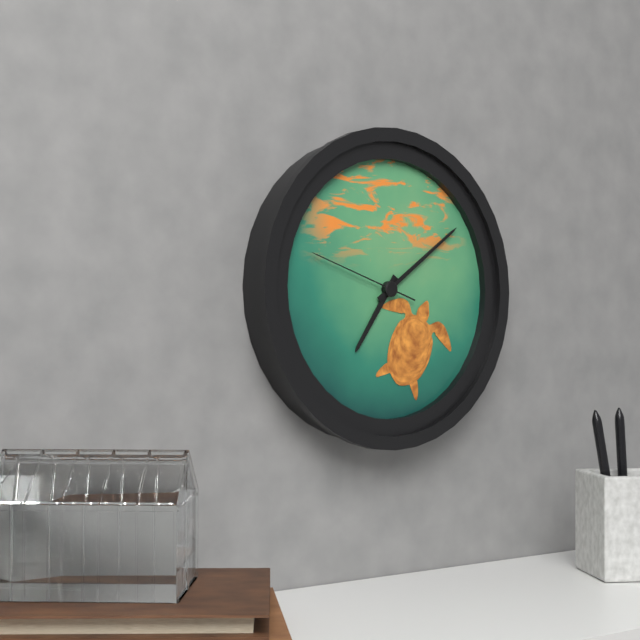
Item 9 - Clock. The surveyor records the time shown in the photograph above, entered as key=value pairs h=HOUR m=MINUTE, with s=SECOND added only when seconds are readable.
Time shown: h=7 m=9 s=48
